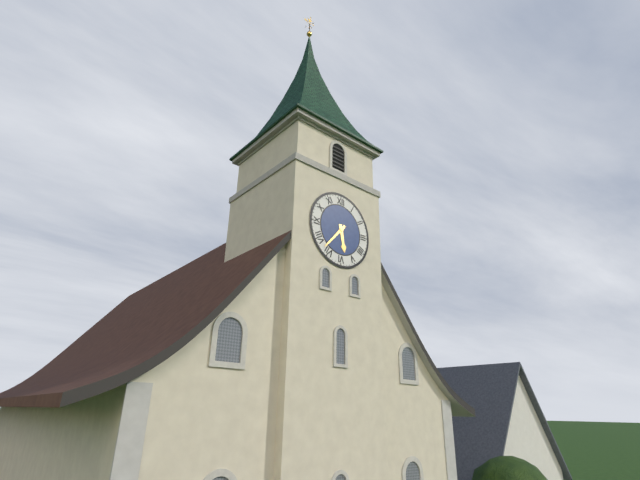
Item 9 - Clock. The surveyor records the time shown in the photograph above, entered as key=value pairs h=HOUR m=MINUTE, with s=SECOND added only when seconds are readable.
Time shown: h=5 m=37
